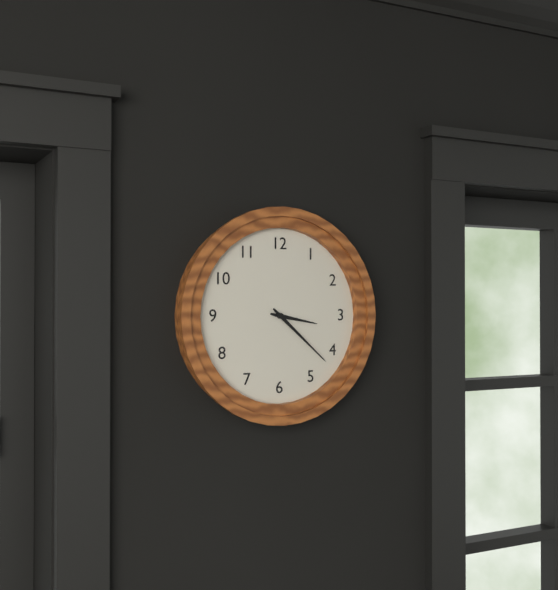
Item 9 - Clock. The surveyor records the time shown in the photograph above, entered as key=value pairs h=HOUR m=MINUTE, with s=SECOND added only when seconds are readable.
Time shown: h=3 m=22
